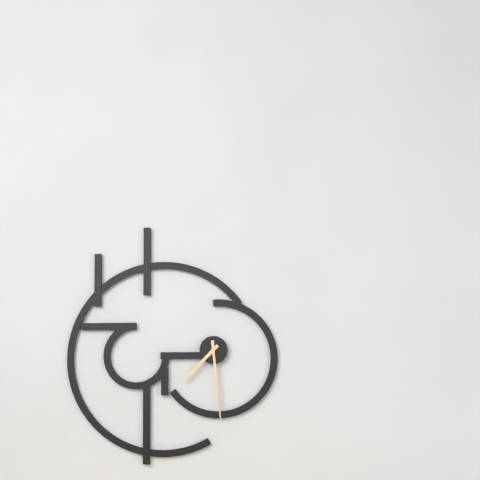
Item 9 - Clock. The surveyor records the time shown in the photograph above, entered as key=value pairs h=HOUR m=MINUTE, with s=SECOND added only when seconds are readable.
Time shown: h=7 m=29
